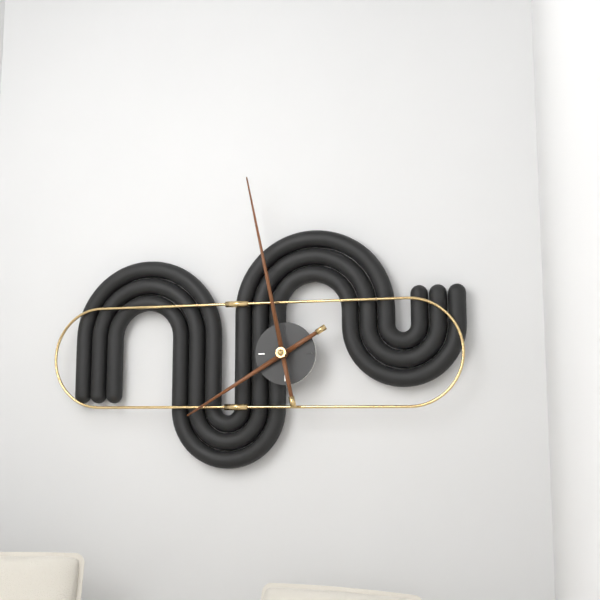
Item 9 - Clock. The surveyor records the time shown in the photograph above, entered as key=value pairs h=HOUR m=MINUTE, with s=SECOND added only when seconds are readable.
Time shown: h=7 m=58
